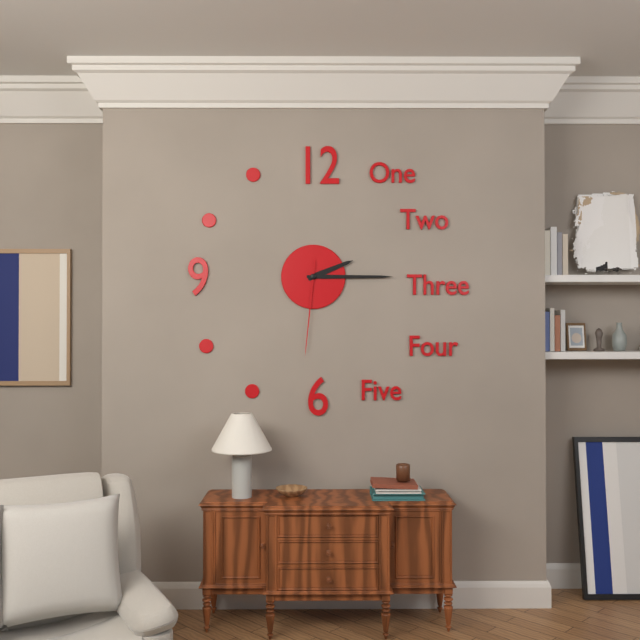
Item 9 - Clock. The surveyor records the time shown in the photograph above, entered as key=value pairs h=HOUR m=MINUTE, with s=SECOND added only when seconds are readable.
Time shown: h=2 m=15 s=31
